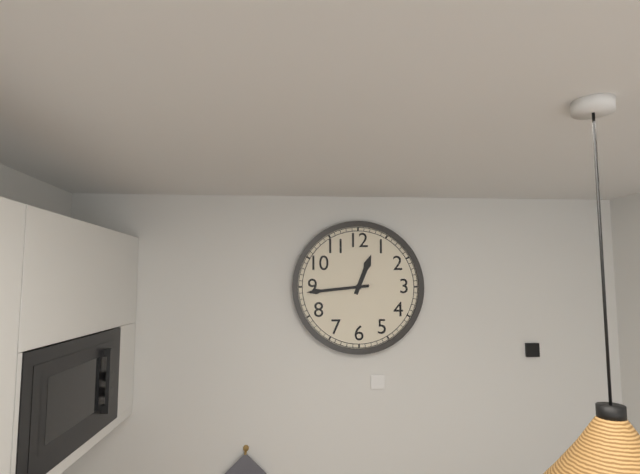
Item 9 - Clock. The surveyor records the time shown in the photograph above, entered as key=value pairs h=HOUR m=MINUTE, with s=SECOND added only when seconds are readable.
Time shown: h=12 m=44
